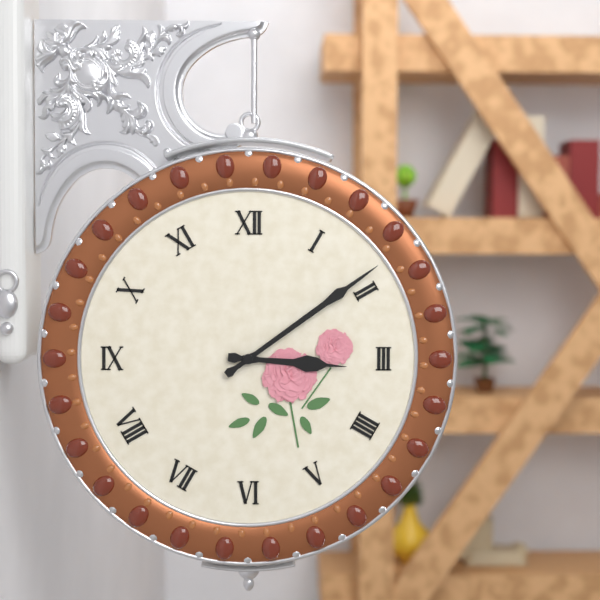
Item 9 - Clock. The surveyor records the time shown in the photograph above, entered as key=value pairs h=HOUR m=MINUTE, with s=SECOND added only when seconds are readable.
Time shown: h=3 m=9
